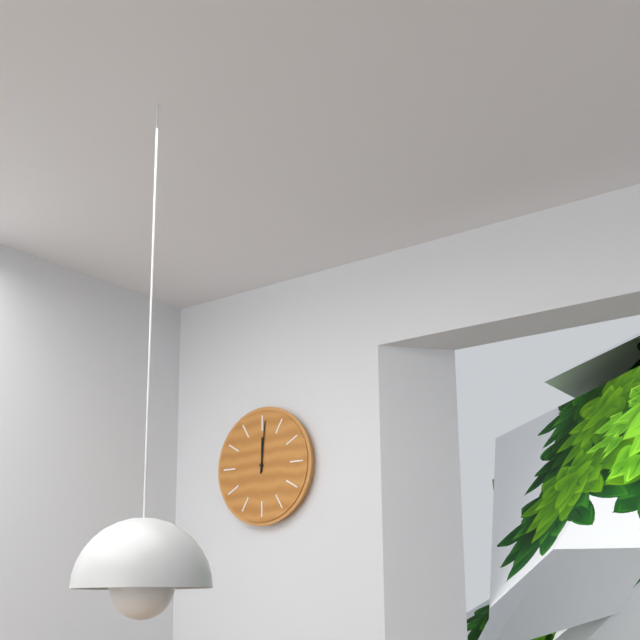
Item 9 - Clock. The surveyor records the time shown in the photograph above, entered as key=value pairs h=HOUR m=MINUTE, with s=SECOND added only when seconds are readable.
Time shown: h=12 m=1
